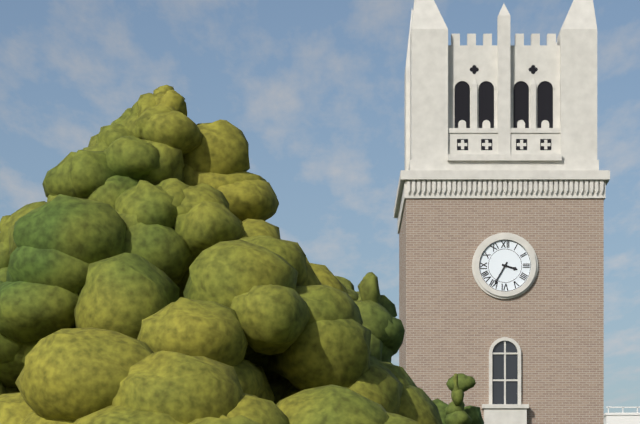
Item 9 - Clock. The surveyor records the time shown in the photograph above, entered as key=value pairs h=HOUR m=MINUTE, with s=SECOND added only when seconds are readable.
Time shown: h=3 m=35
